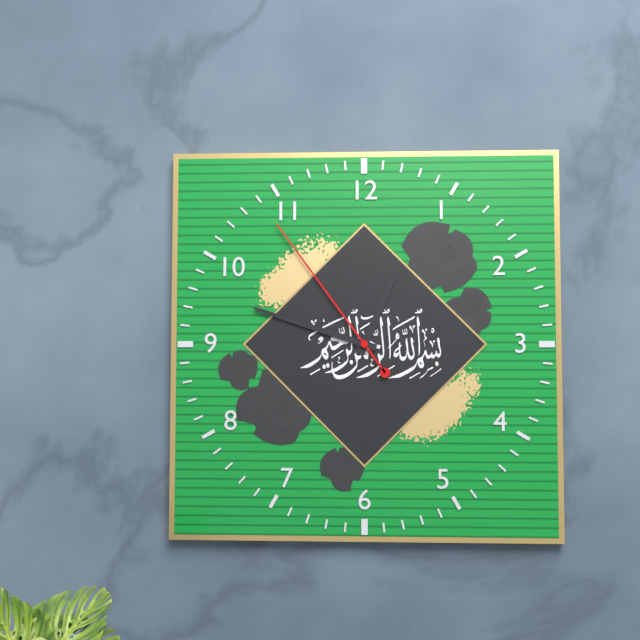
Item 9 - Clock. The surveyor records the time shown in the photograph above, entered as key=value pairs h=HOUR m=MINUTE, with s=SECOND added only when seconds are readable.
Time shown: h=12 m=48 s=54
